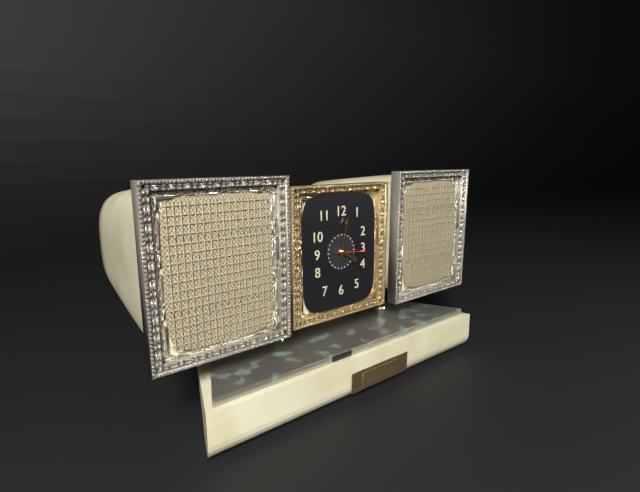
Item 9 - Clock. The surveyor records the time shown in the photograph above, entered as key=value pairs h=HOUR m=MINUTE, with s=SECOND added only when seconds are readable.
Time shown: h=4 m=2
